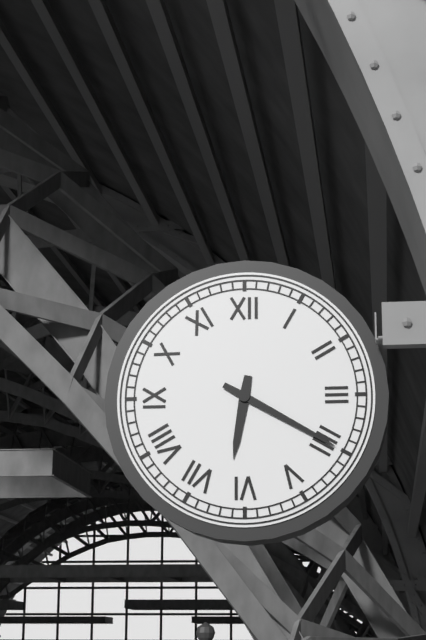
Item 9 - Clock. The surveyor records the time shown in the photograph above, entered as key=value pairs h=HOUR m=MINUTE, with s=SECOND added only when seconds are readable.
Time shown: h=6 m=20
